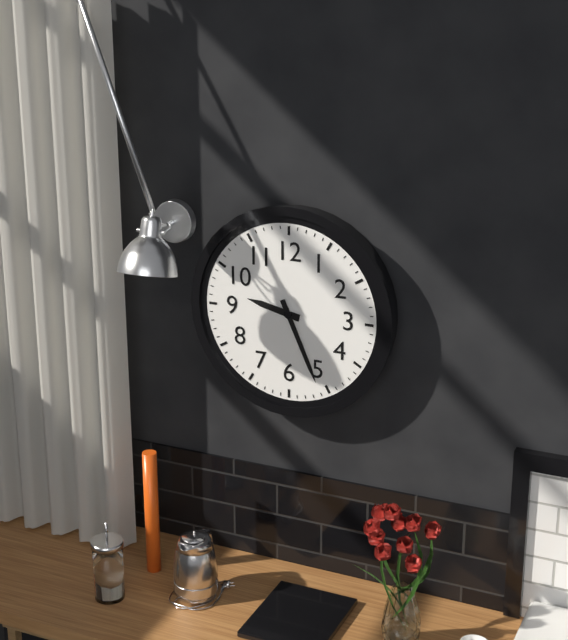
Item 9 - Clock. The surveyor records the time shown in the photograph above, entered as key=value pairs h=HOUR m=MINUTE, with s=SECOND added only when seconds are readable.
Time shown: h=9 m=26
